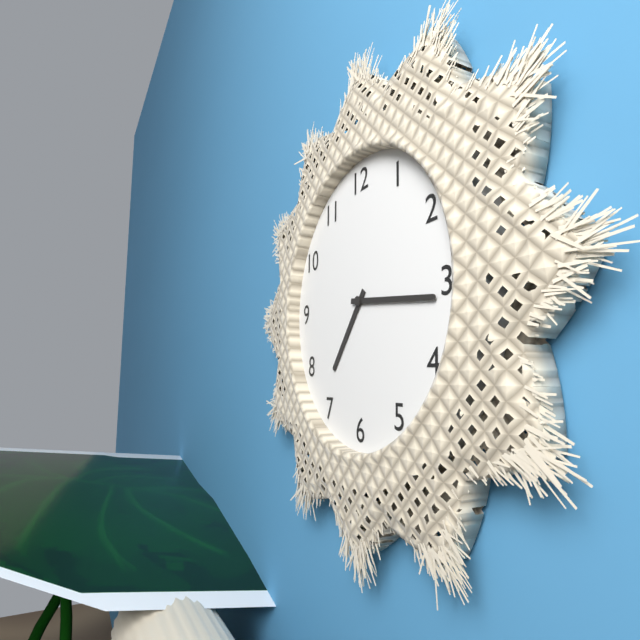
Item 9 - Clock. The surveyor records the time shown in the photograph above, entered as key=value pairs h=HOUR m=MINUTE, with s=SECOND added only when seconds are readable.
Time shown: h=7 m=16
